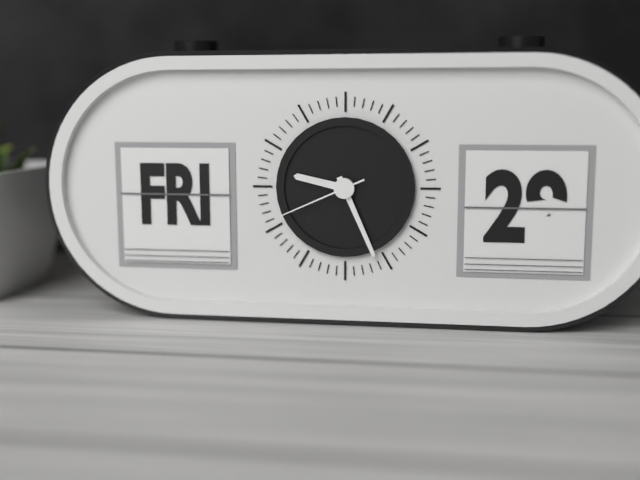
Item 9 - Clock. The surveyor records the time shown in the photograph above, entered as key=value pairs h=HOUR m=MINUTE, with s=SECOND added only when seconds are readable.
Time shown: h=9 m=26 s=41
